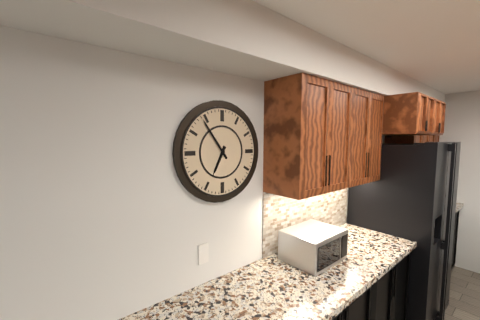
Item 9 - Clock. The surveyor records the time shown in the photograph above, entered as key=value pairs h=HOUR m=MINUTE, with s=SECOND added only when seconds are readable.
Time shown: h=6 m=54
